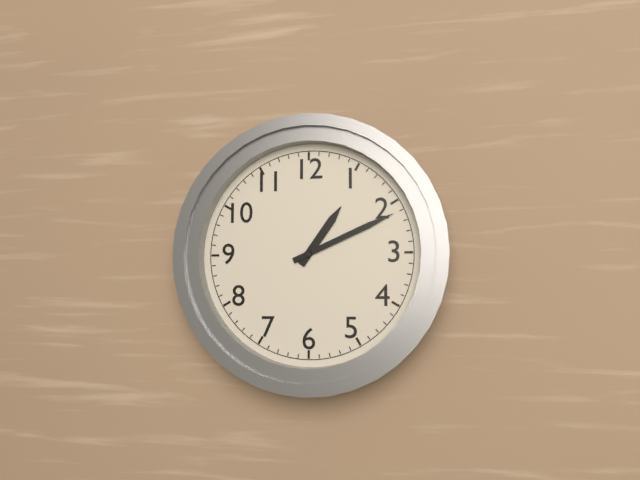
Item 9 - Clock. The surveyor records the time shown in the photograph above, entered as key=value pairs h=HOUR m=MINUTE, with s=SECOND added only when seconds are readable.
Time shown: h=1 m=11
